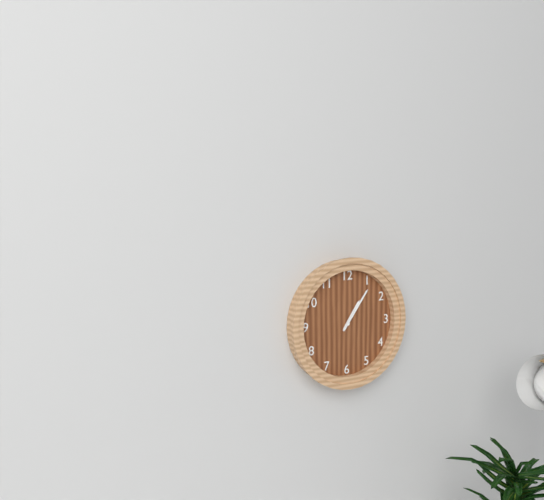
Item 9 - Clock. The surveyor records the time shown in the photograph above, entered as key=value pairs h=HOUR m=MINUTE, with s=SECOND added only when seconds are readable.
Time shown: h=1 m=6
